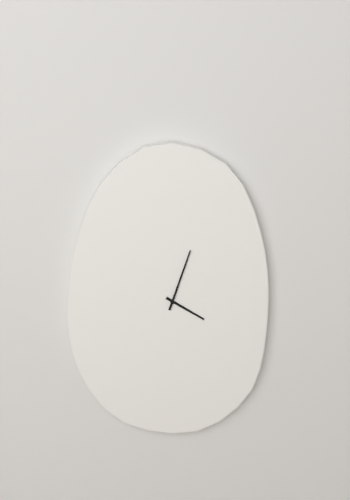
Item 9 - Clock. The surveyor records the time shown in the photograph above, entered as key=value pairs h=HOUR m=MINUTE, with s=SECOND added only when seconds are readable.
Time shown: h=4 m=3
